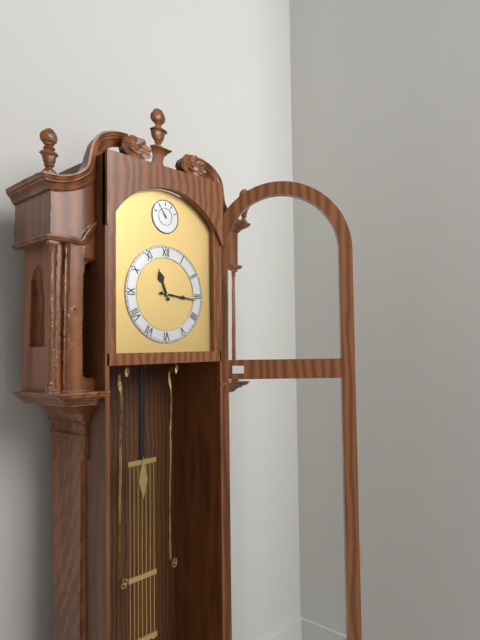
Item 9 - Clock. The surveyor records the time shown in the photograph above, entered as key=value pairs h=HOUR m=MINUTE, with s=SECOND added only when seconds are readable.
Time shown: h=11 m=16
